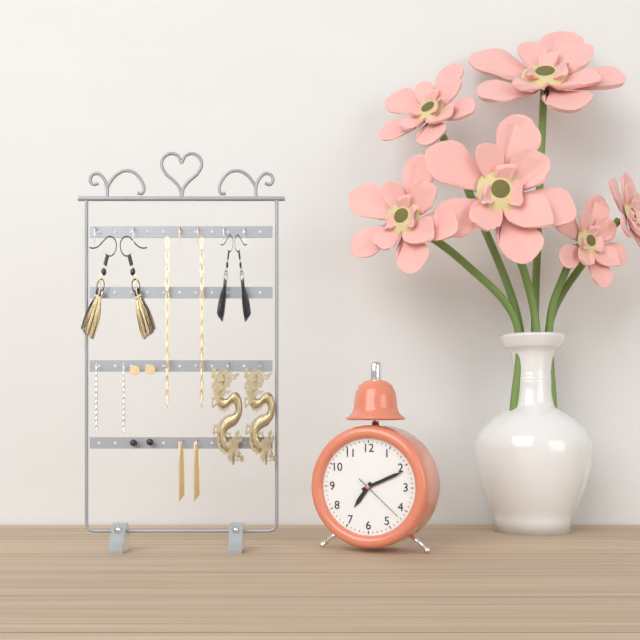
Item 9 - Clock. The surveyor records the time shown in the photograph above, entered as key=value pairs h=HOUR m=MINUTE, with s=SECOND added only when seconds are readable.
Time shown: h=7 m=11 s=22
